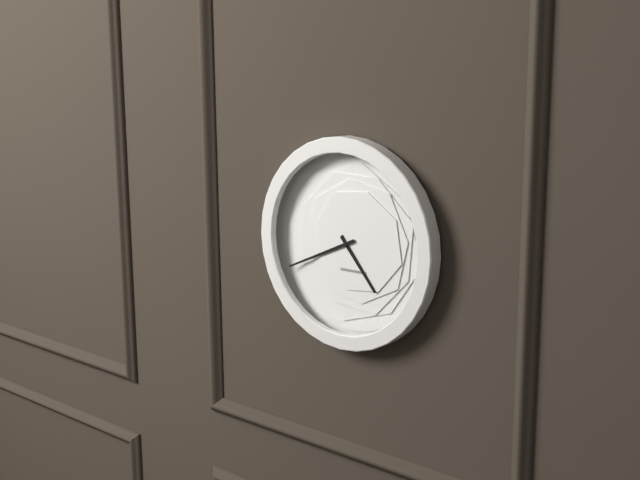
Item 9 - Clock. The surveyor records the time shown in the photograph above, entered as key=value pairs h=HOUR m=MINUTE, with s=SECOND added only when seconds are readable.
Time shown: h=4 m=41
